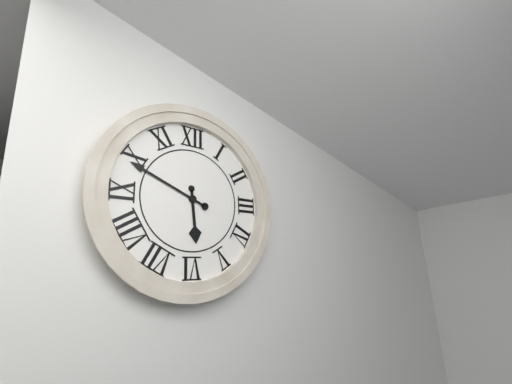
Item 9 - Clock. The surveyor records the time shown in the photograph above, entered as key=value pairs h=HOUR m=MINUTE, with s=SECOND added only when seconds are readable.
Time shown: h=5 m=49
